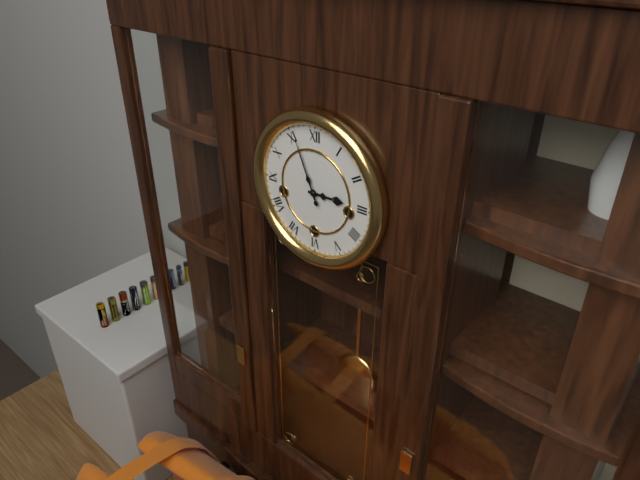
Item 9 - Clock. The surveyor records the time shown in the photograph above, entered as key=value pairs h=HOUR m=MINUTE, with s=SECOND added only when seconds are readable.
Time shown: h=2 m=56
